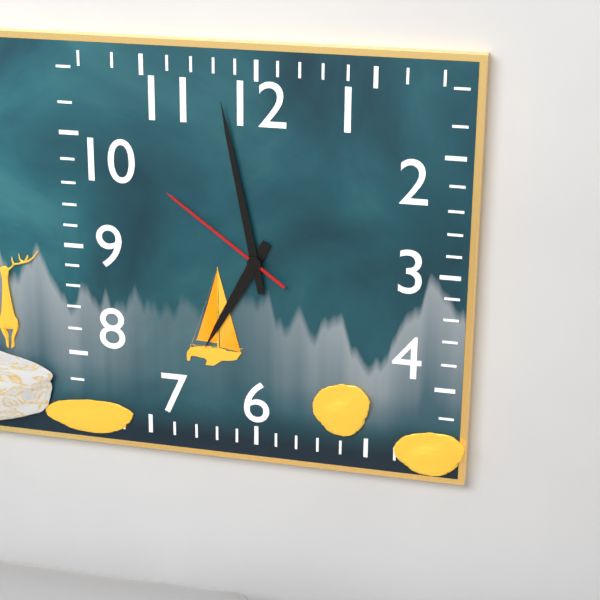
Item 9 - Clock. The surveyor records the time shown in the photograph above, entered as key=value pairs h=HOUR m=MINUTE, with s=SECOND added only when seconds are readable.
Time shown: h=6 m=58 s=51
